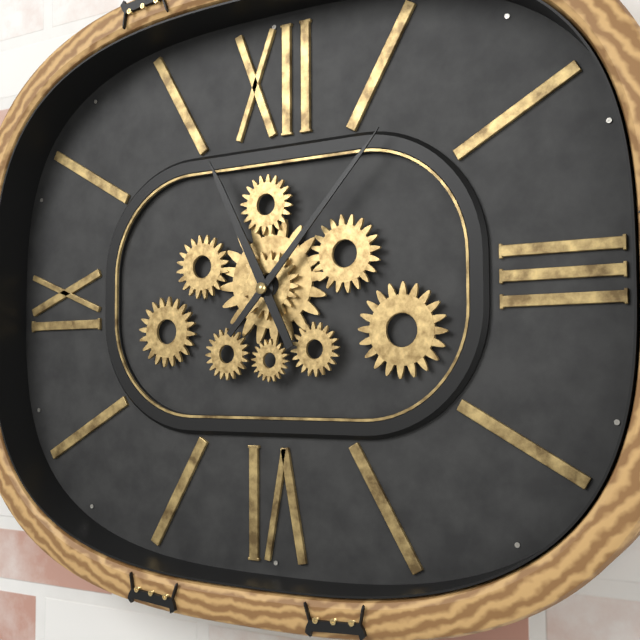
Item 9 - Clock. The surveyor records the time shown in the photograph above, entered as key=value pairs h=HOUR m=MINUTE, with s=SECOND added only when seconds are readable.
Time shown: h=11 m=7
